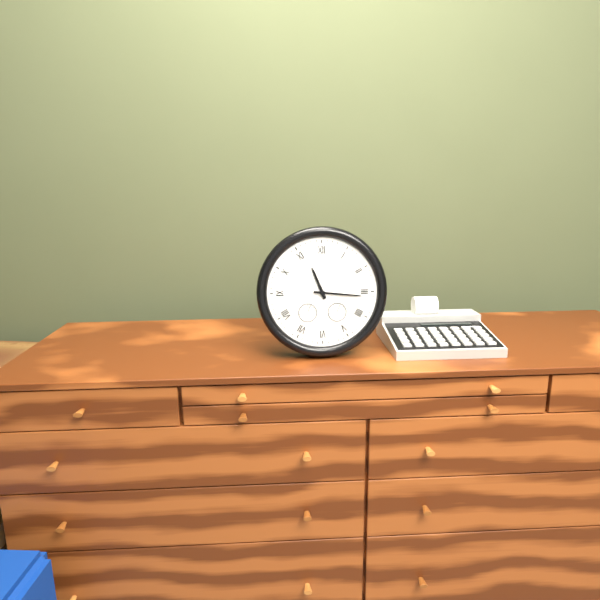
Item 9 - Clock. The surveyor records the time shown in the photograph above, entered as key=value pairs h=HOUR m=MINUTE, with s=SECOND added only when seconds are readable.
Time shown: h=11 m=16
